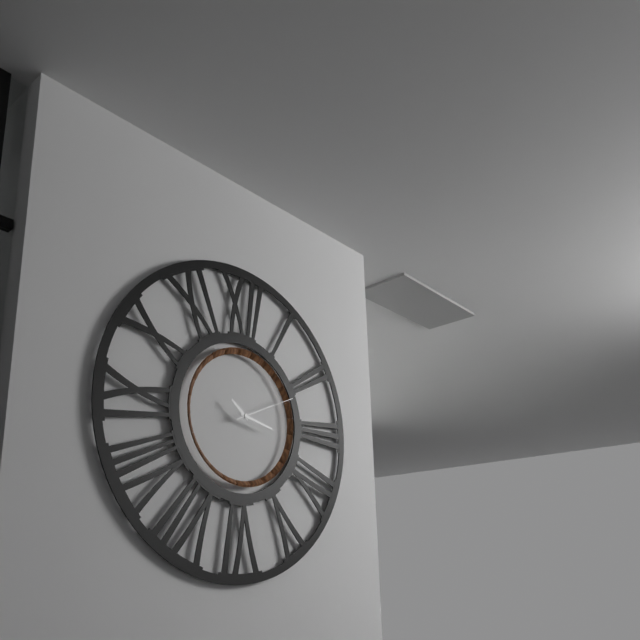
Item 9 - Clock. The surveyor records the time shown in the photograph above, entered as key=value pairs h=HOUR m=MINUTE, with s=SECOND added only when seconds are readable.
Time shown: h=10 m=17 s=11
